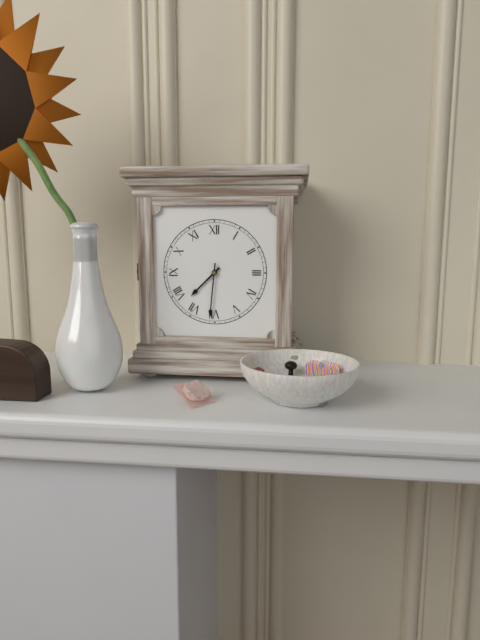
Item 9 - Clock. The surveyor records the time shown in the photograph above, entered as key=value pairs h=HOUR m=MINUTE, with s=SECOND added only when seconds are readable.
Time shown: h=7 m=31
